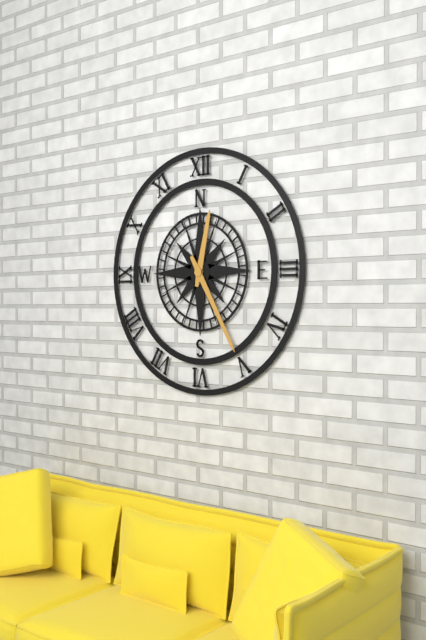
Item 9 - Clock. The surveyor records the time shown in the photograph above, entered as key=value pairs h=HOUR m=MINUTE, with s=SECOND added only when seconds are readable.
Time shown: h=12 m=25
